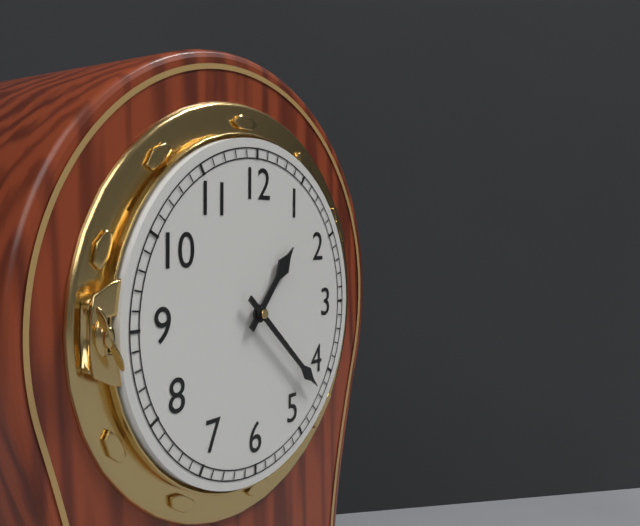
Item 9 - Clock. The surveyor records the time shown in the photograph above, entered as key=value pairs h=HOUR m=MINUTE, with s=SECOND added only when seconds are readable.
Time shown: h=1 m=22
